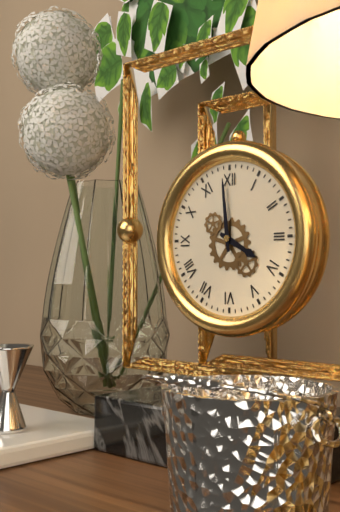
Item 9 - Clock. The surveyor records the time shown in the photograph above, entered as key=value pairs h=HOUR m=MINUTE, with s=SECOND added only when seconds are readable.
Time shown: h=3 m=59
